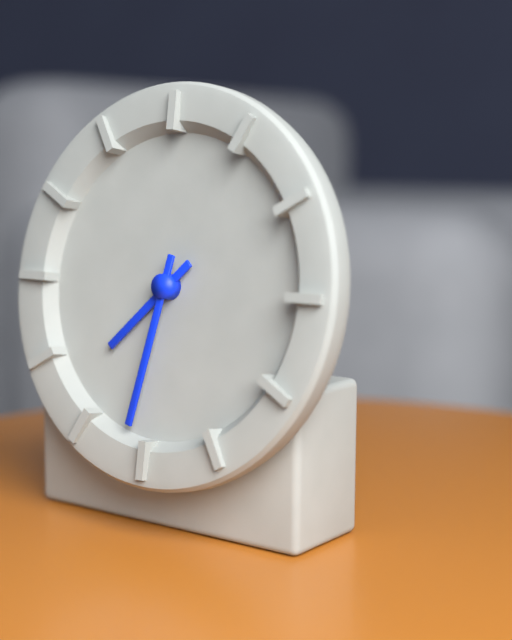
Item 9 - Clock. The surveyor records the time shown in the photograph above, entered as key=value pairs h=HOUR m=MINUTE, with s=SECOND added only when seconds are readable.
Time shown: h=7 m=32
